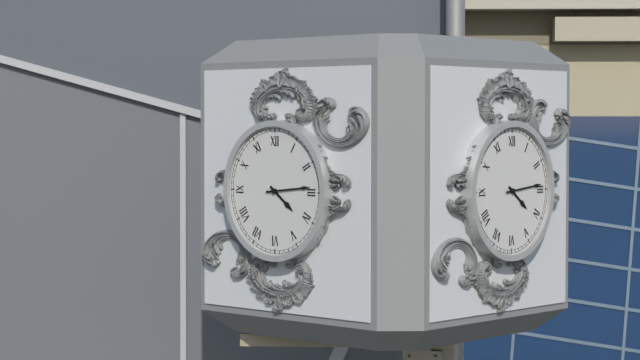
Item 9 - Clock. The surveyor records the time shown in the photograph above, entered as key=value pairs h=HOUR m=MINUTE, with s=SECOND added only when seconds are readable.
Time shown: h=4 m=14
